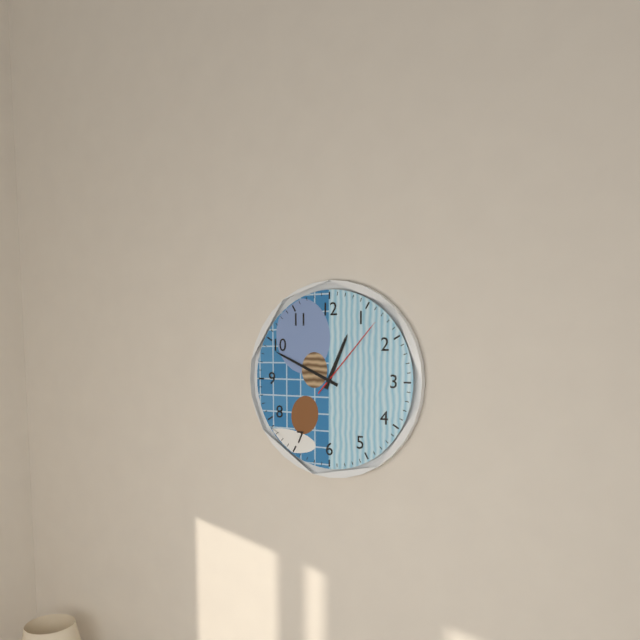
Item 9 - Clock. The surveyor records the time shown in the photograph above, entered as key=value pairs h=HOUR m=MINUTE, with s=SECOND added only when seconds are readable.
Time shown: h=12 m=49 s=7
